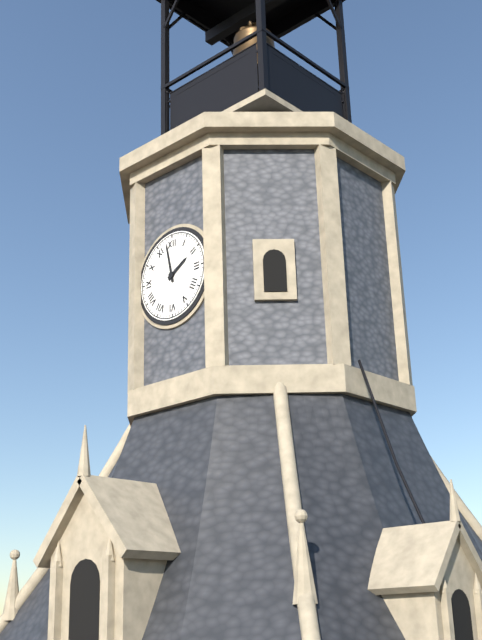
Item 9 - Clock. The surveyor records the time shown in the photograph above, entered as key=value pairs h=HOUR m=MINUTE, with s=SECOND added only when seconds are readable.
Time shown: h=1 m=58
